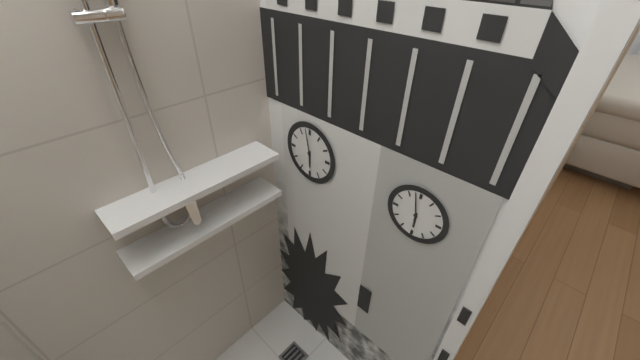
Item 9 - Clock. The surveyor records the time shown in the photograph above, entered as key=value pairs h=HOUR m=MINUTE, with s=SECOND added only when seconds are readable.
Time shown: h=5 m=58
